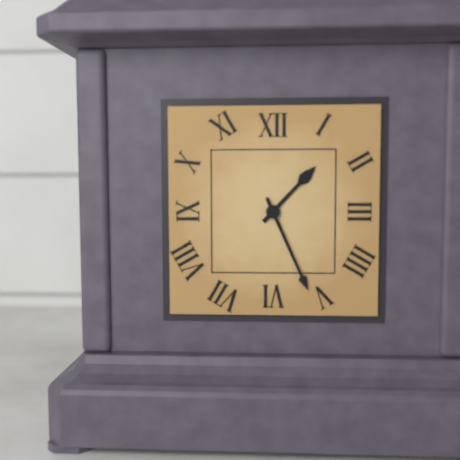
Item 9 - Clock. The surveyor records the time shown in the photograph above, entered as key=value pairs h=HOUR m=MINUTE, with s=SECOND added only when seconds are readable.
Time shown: h=1 m=26
